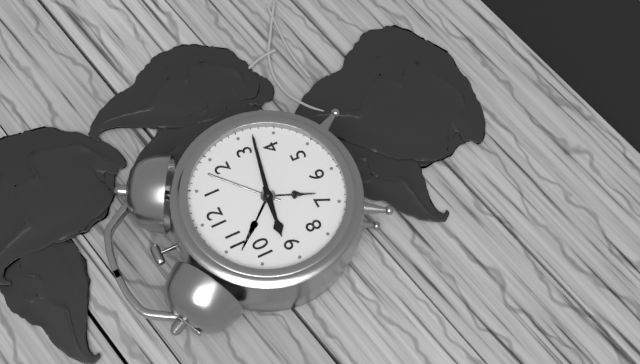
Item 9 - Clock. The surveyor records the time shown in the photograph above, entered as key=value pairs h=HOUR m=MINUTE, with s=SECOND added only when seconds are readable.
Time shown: h=9 m=17
